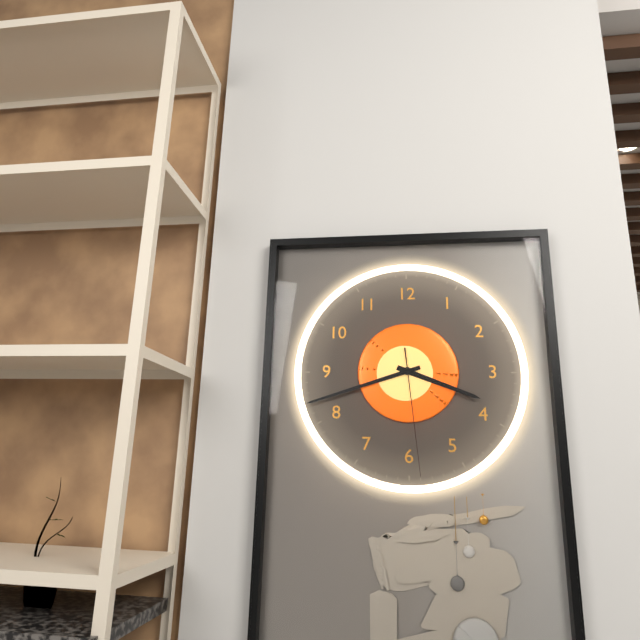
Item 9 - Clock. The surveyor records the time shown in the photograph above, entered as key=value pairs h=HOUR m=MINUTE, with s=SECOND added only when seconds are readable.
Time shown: h=3 m=42 s=29
